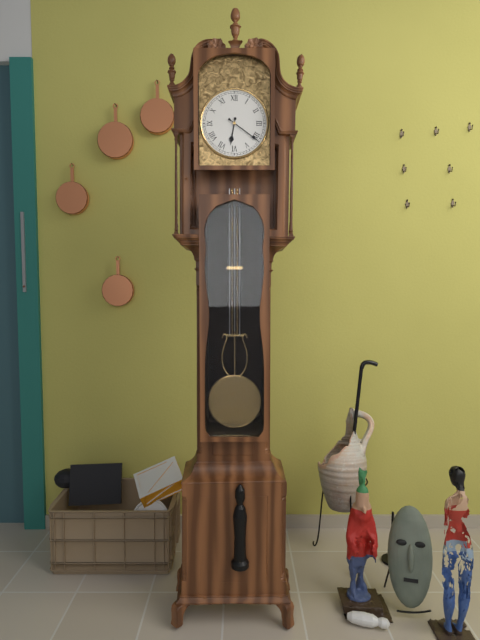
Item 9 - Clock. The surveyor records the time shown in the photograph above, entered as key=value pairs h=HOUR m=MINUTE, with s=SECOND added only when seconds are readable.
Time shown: h=6 m=21
